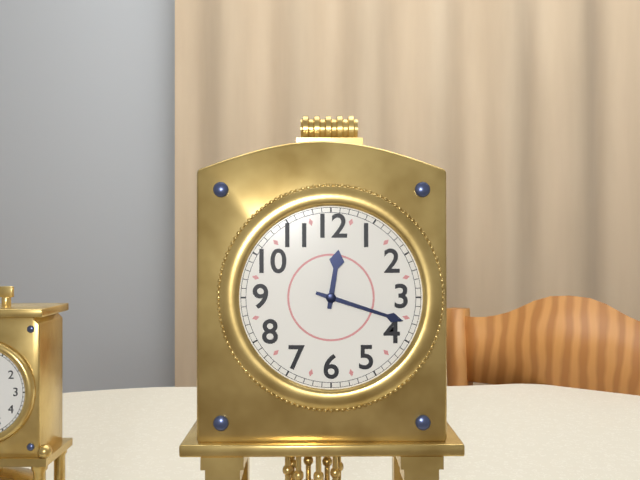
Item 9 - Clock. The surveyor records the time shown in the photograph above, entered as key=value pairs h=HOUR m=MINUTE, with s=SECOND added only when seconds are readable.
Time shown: h=12 m=18
